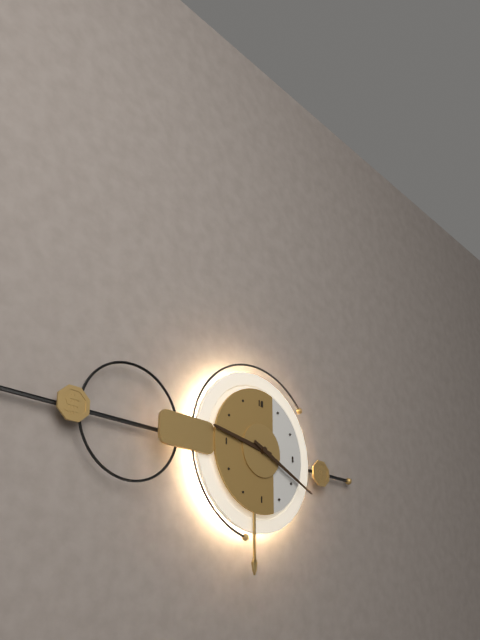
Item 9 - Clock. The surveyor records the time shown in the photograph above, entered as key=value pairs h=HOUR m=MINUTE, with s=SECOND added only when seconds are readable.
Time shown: h=9 m=19
